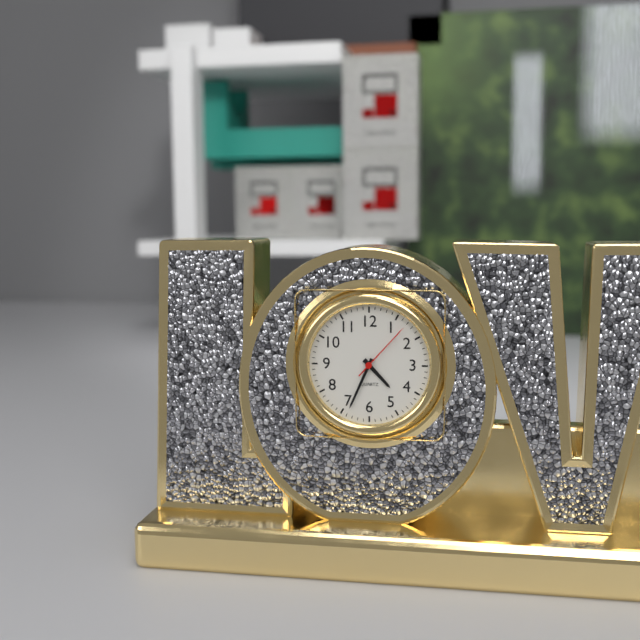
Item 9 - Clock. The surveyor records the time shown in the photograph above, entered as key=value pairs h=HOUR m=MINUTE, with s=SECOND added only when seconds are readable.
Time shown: h=4 m=34 s=7
